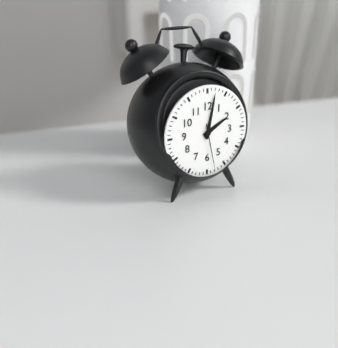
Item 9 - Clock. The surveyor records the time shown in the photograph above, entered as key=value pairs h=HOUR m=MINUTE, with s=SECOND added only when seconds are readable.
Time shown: h=2 m=2
